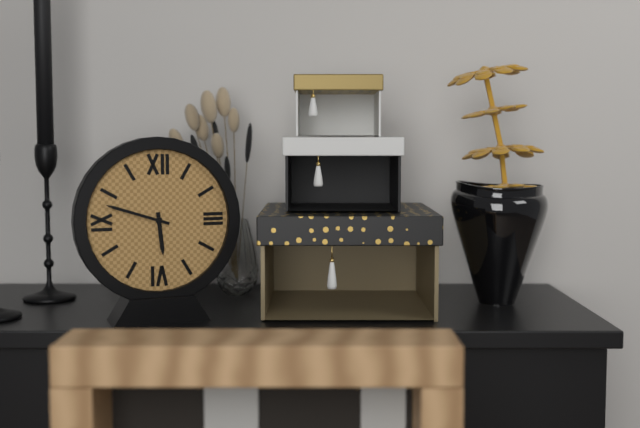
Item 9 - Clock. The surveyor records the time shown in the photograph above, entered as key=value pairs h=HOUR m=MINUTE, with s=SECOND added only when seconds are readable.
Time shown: h=5 m=48
